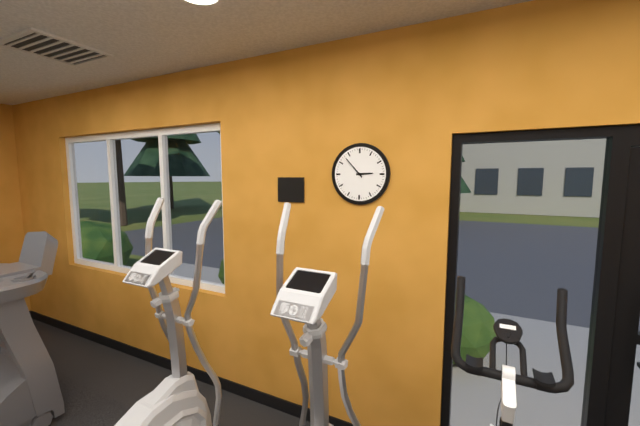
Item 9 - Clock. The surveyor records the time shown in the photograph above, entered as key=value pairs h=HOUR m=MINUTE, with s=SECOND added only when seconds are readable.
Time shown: h=2 m=53
